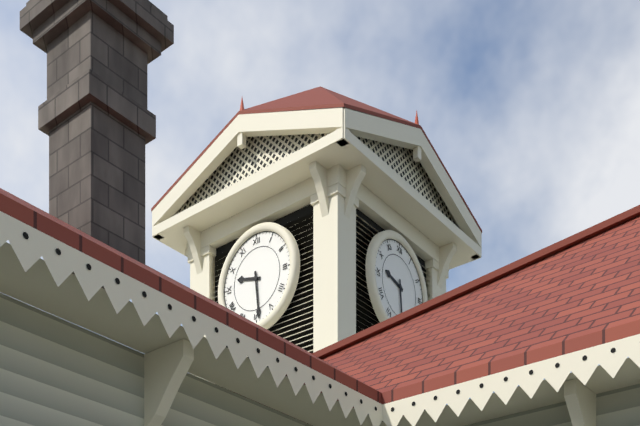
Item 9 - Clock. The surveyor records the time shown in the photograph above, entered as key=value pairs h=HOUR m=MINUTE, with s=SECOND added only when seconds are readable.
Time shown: h=9 m=29
